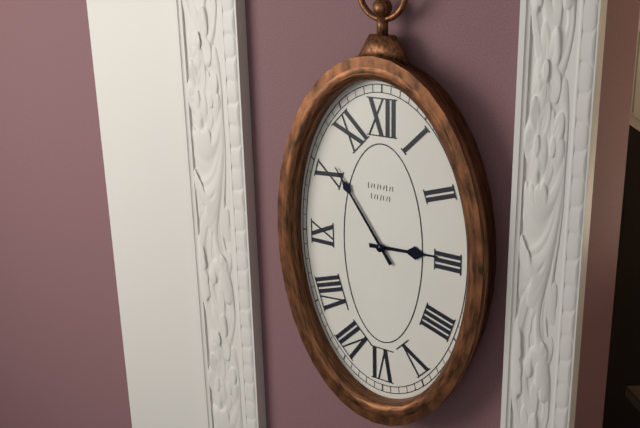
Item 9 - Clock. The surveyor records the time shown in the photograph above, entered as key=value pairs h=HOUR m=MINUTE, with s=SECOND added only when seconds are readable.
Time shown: h=2 m=54
